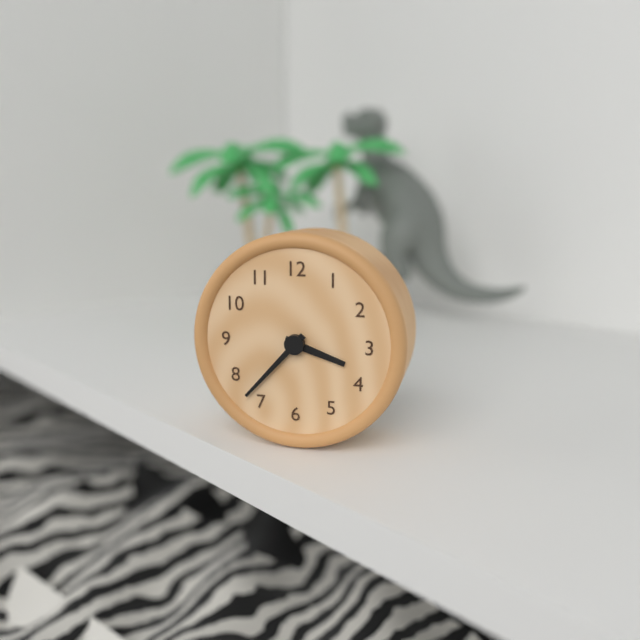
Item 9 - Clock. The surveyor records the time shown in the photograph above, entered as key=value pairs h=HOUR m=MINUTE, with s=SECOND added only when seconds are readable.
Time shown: h=3 m=37
